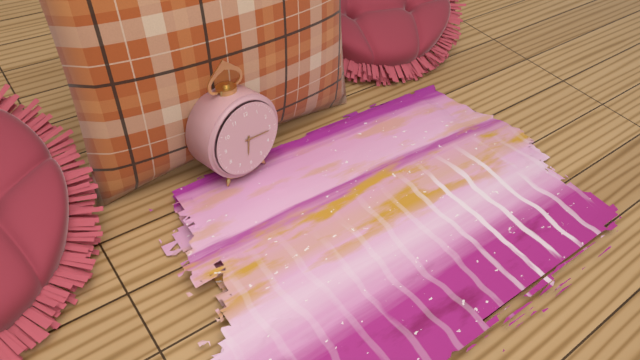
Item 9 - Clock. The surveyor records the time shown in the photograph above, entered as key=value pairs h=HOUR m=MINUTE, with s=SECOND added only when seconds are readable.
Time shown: h=6 m=16
